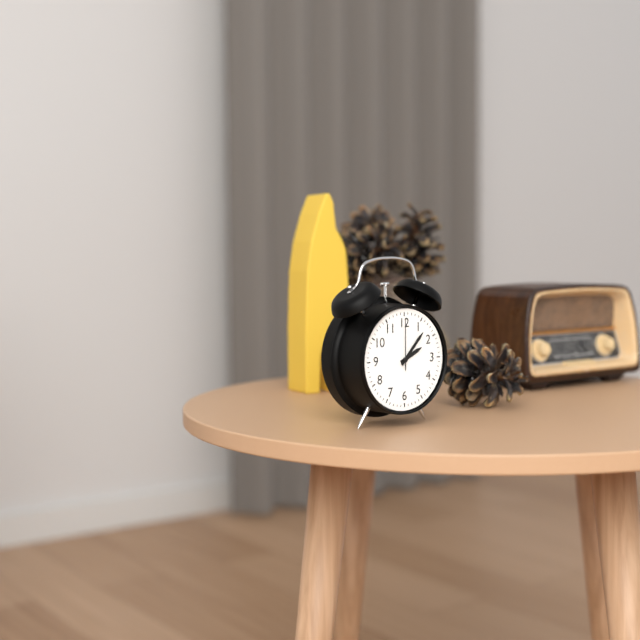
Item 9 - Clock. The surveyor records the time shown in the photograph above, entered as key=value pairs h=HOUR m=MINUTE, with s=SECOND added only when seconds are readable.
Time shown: h=2 m=7 s=0
